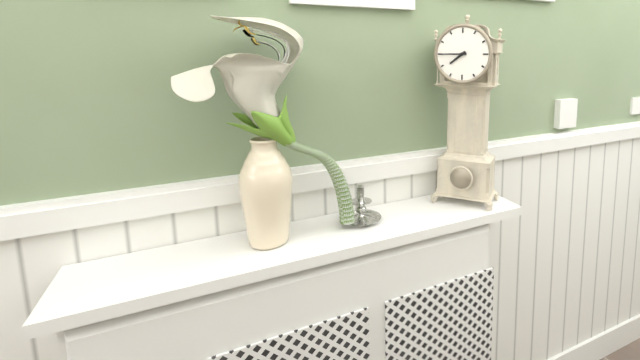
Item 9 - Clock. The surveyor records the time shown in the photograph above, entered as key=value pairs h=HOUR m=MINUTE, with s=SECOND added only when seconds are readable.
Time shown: h=7 m=45
